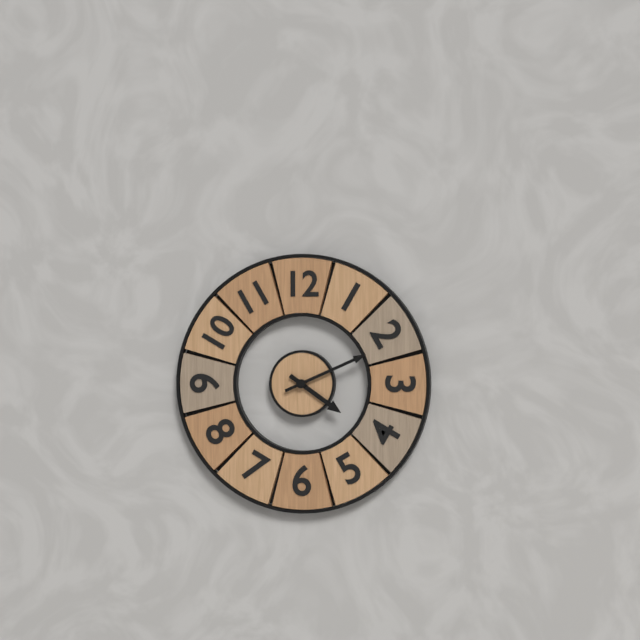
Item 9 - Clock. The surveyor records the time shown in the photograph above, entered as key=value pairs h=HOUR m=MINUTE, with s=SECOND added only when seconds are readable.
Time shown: h=4 m=11
